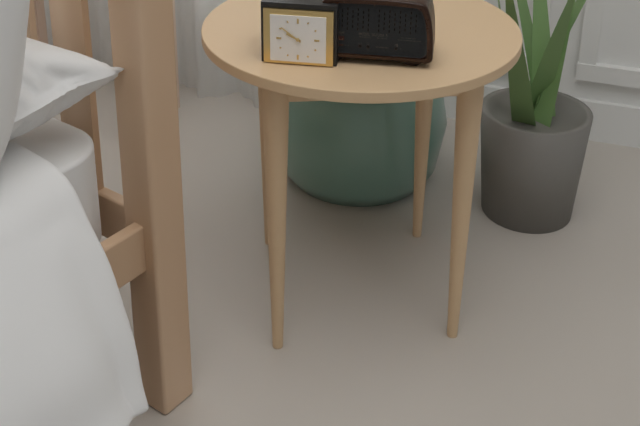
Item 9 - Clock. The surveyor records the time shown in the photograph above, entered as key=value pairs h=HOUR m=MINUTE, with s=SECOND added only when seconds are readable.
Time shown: h=9 m=51
